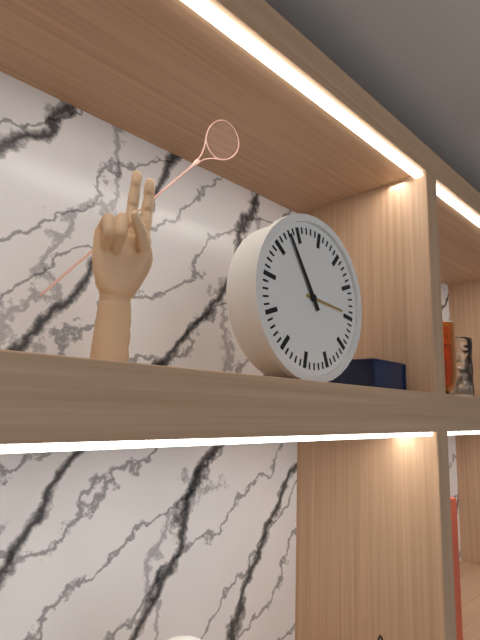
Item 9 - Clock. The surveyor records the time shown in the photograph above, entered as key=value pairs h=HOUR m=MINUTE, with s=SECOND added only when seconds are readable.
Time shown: h=2 m=53
